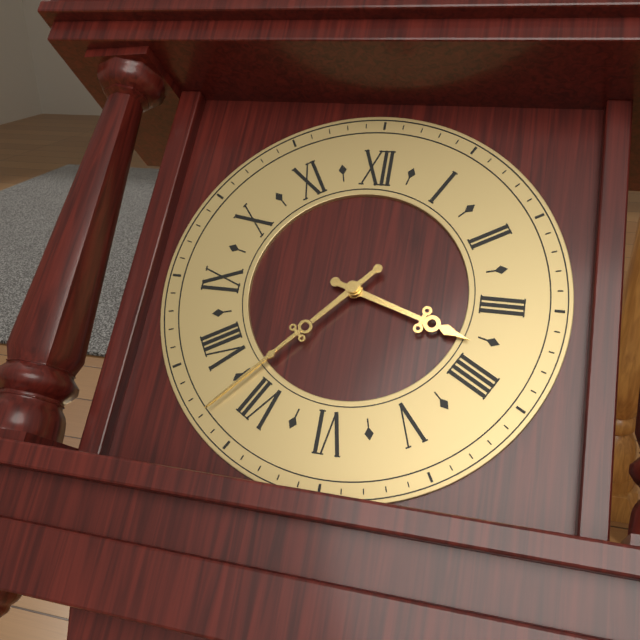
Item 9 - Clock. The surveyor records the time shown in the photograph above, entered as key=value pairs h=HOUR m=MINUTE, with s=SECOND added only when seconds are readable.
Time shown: h=3 m=37
